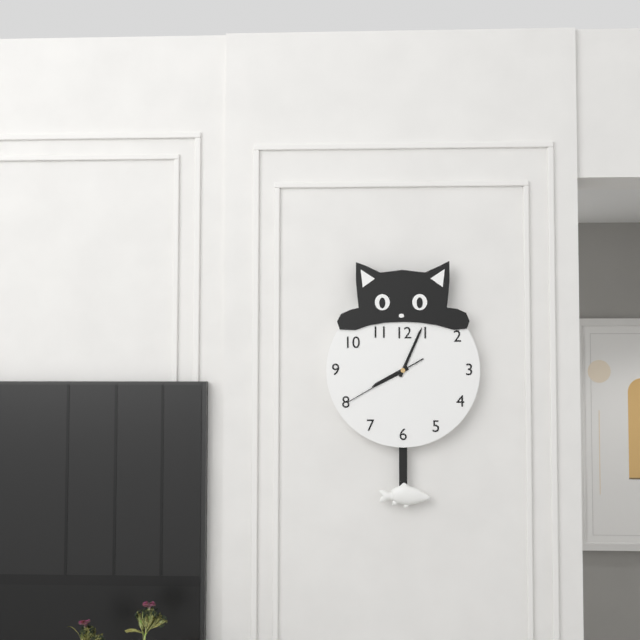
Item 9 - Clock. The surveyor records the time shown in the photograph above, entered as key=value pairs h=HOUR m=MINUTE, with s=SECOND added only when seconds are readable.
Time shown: h=8 m=4 s=40
